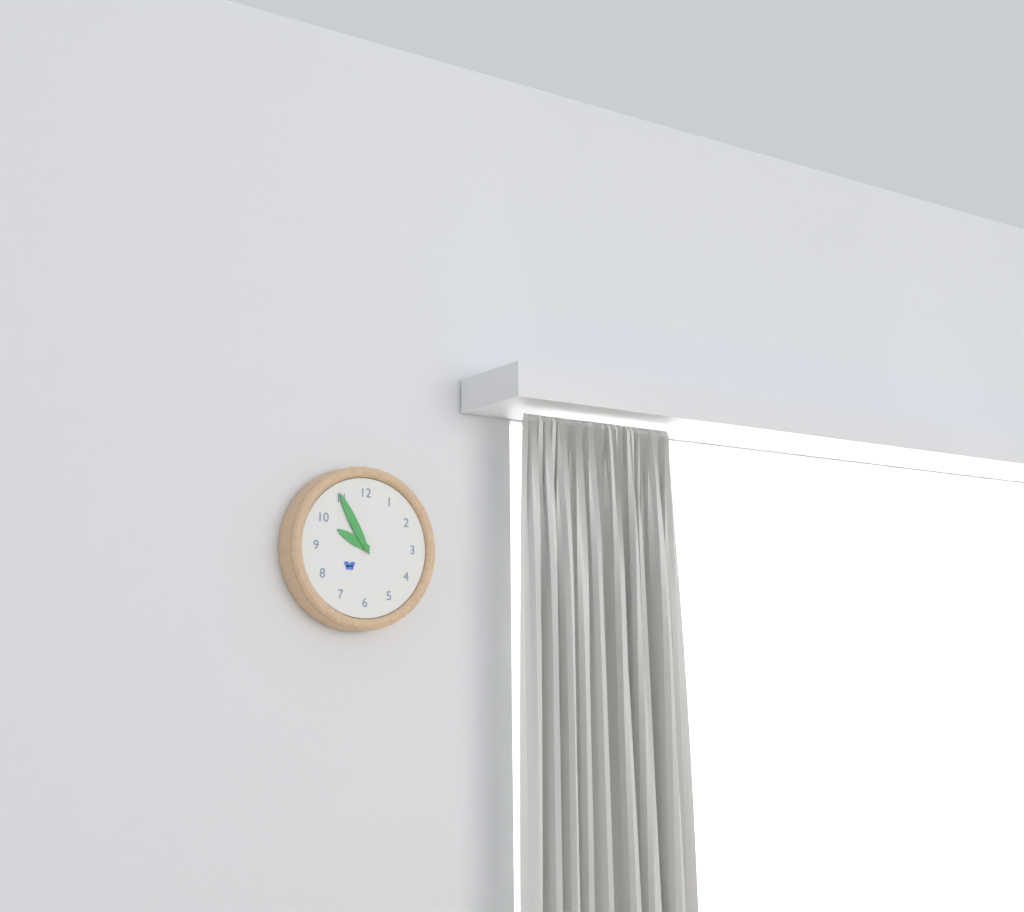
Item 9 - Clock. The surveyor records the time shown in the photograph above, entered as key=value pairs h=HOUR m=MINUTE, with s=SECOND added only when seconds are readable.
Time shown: h=9 m=55
